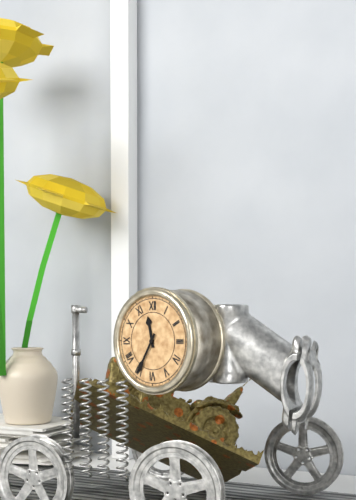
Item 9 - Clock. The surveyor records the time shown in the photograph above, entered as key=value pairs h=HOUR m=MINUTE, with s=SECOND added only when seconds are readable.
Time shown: h=11 m=35
